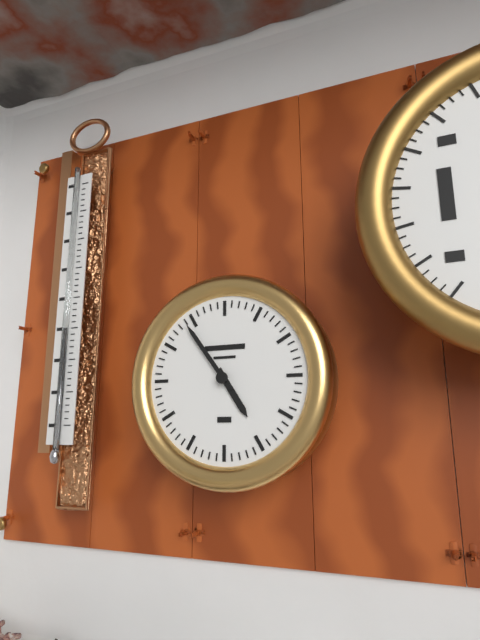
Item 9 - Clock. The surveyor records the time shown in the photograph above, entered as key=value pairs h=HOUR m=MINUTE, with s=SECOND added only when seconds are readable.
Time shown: h=4 m=54
